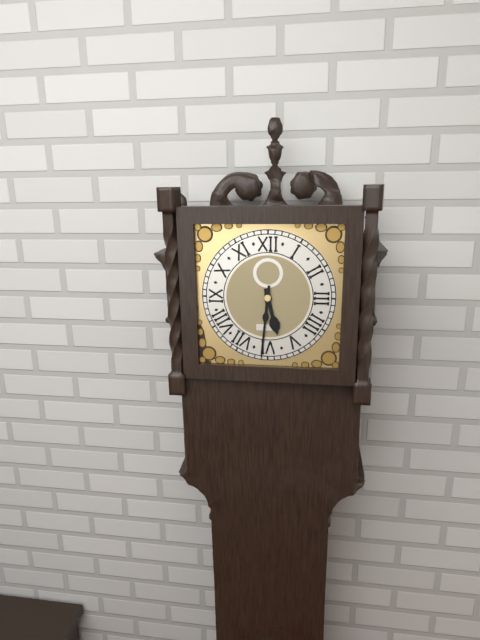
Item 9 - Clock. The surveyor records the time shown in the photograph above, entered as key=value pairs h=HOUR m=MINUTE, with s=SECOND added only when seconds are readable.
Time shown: h=5 m=31
